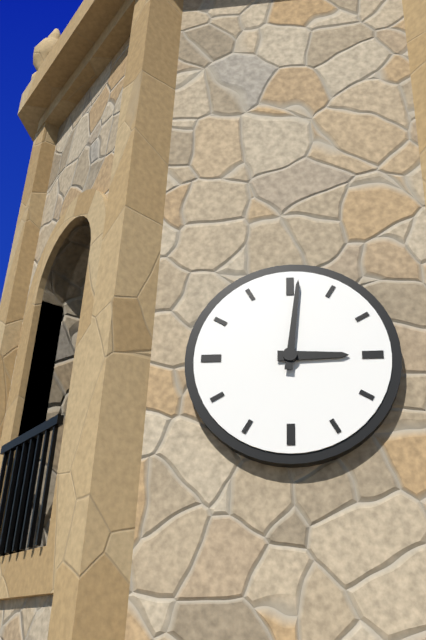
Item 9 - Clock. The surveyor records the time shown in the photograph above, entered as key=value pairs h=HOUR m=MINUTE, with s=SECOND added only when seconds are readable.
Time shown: h=3 m=1
